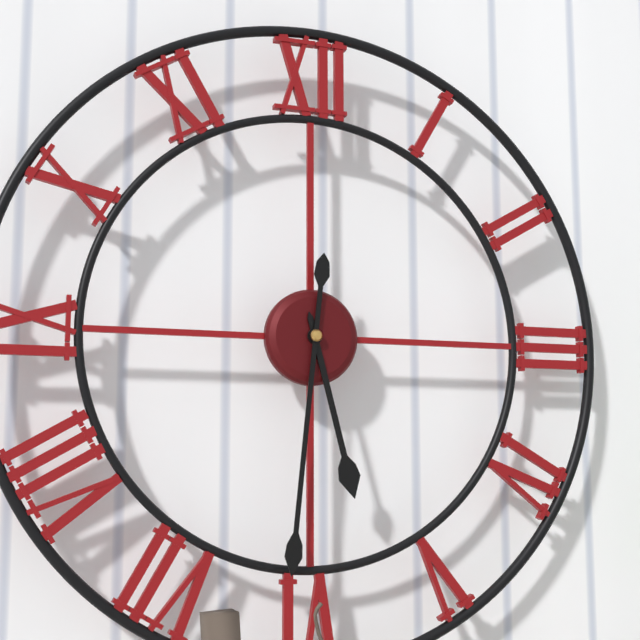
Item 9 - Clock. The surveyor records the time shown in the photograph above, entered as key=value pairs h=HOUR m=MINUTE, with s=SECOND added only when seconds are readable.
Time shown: h=5 m=31
